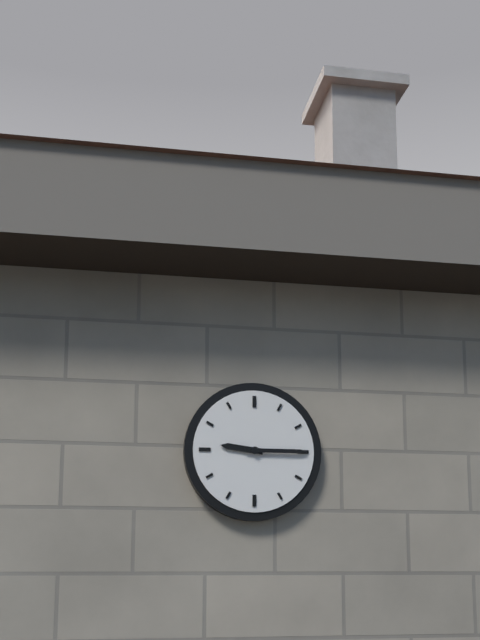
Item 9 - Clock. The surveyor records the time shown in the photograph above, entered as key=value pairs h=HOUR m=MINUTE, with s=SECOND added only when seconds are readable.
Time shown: h=9 m=15
